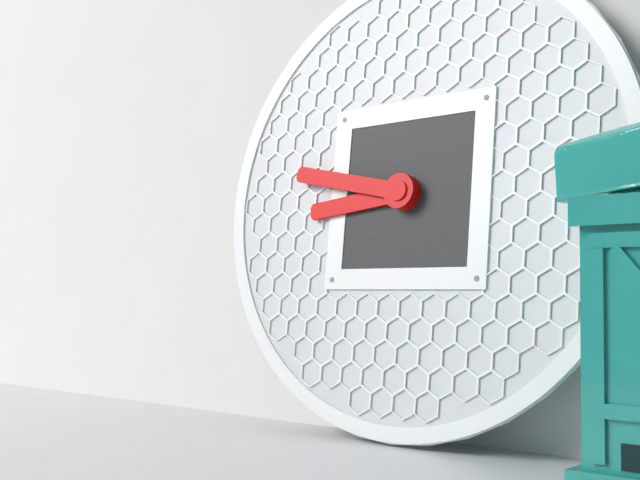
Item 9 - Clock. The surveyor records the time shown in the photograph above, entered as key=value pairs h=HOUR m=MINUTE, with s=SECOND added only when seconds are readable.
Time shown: h=8 m=47
